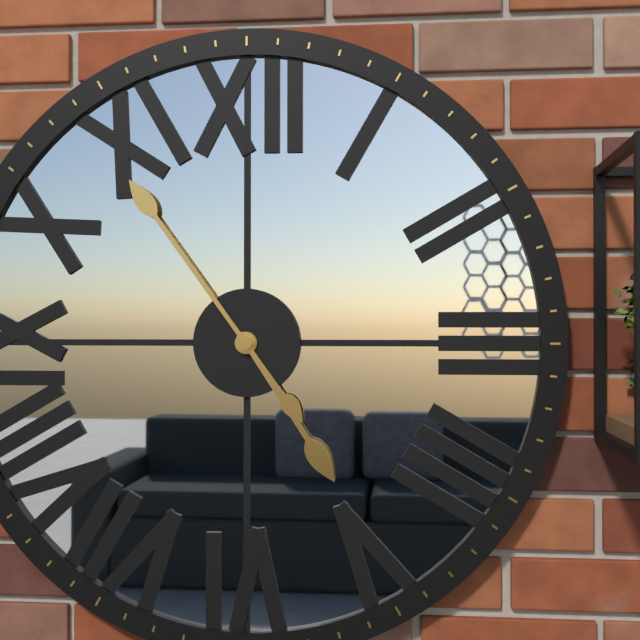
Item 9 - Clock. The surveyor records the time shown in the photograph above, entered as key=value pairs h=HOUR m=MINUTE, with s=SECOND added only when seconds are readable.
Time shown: h=4 m=54
